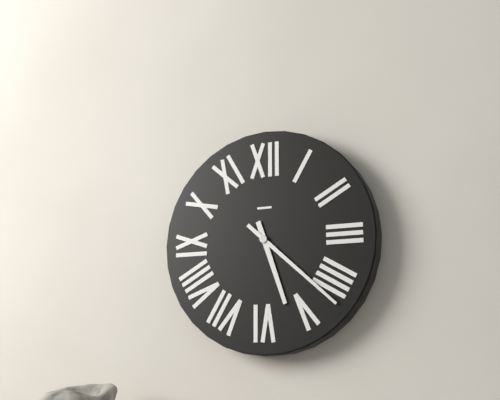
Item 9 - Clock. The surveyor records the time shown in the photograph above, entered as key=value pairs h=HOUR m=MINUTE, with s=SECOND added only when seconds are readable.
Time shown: h=5 m=22
